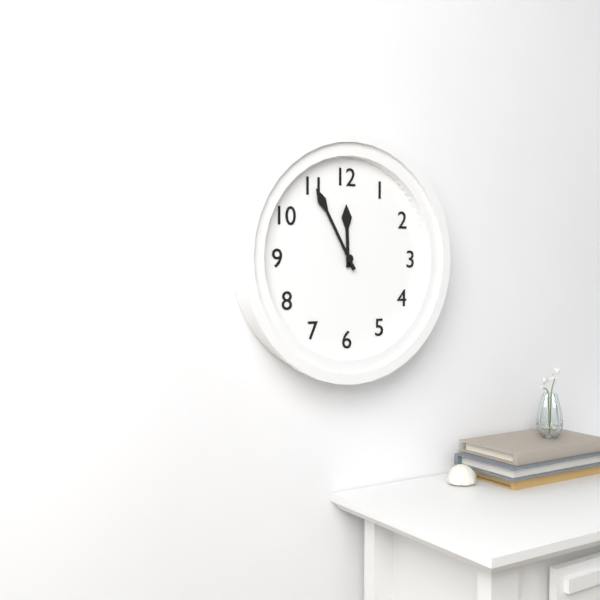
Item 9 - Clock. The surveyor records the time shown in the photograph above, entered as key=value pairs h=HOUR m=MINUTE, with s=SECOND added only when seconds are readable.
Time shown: h=11 m=55
